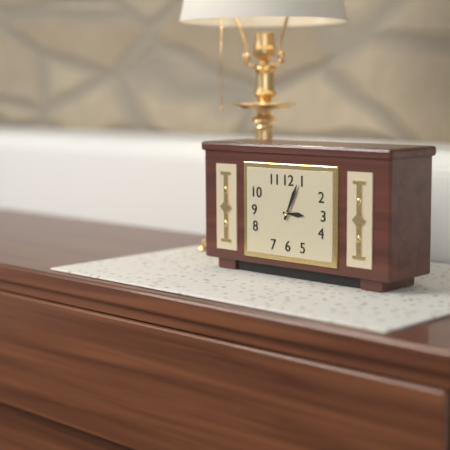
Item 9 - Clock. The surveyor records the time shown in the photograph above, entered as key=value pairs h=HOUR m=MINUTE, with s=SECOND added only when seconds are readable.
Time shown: h=3 m=4
